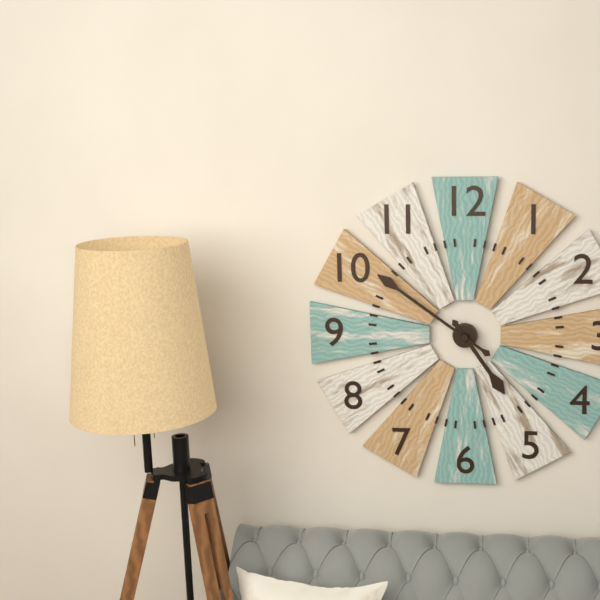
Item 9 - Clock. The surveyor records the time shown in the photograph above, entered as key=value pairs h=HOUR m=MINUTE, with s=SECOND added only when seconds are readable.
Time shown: h=4 m=51
